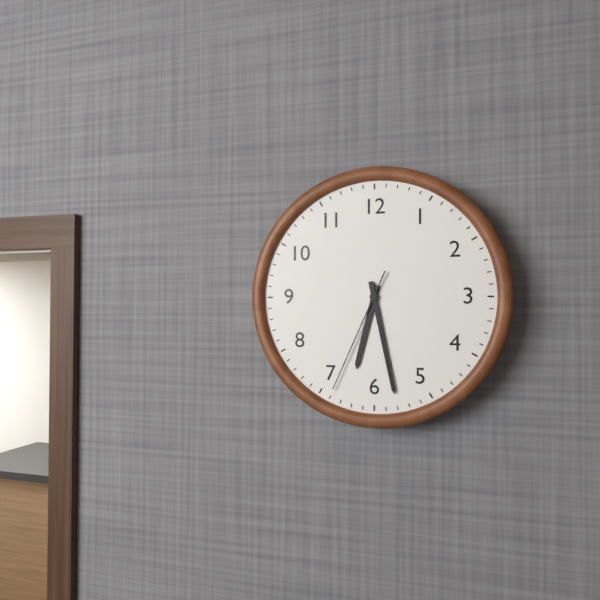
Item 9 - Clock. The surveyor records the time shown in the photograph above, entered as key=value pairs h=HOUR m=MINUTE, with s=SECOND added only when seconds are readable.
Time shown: h=6 m=28 s=34
